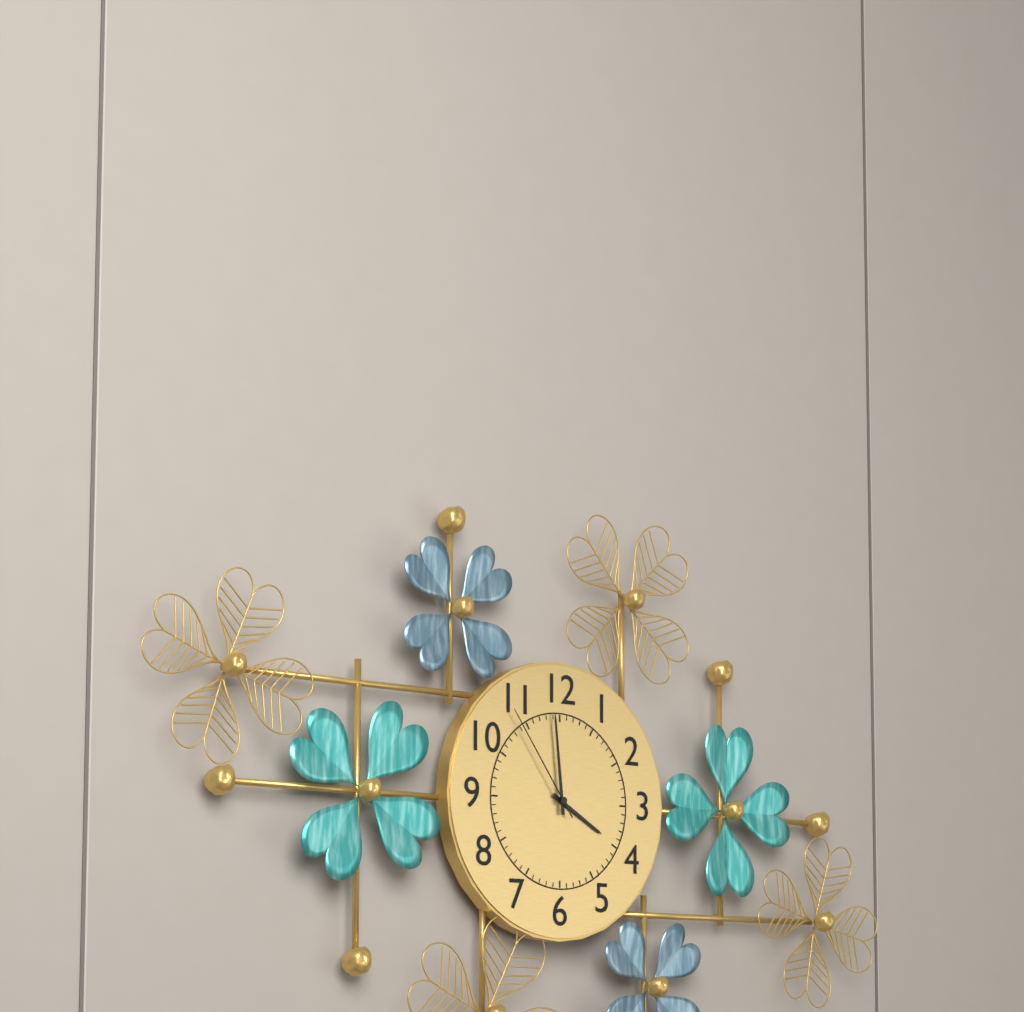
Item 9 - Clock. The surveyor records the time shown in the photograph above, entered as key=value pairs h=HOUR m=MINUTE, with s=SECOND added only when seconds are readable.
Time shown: h=3 m=59 s=54
